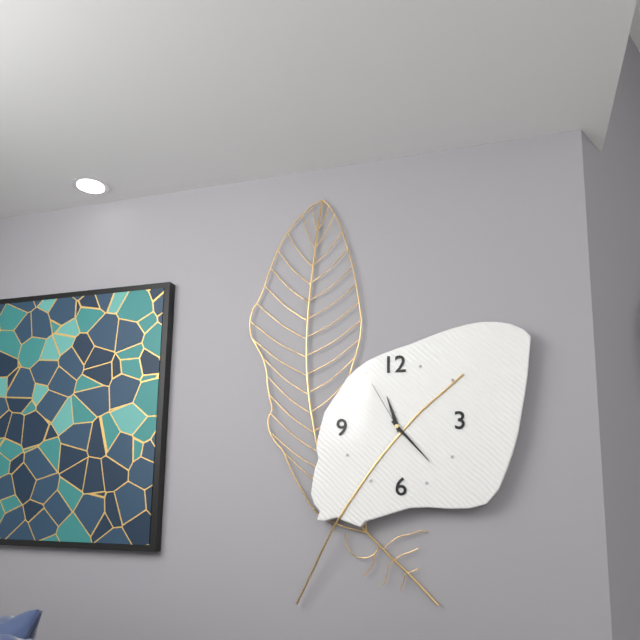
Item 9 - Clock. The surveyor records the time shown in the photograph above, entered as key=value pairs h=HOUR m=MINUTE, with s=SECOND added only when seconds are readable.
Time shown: h=11 m=23 s=55
